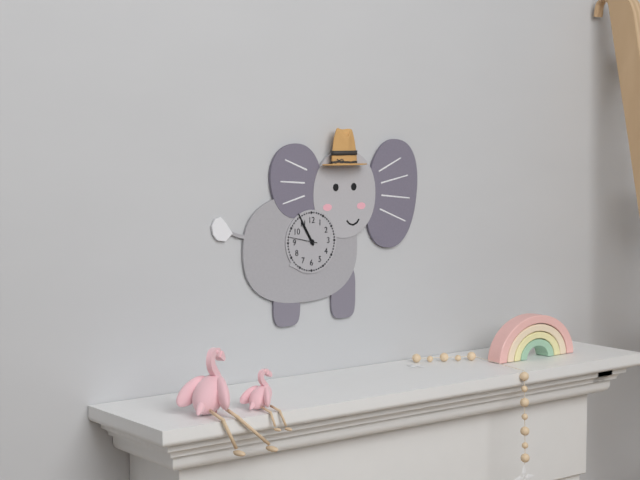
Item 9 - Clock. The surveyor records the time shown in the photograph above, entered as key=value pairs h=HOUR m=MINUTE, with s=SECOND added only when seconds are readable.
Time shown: h=10 m=55
